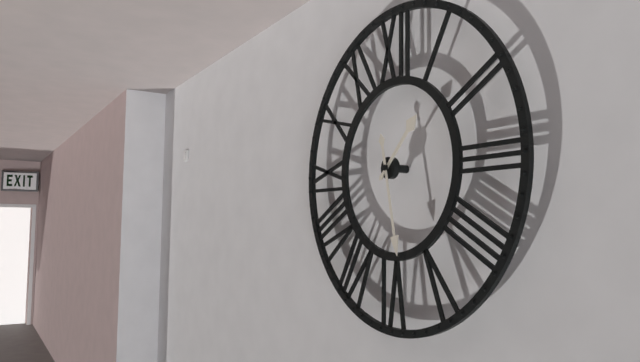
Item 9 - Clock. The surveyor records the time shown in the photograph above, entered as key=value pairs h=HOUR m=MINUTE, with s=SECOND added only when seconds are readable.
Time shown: h=1 m=28
